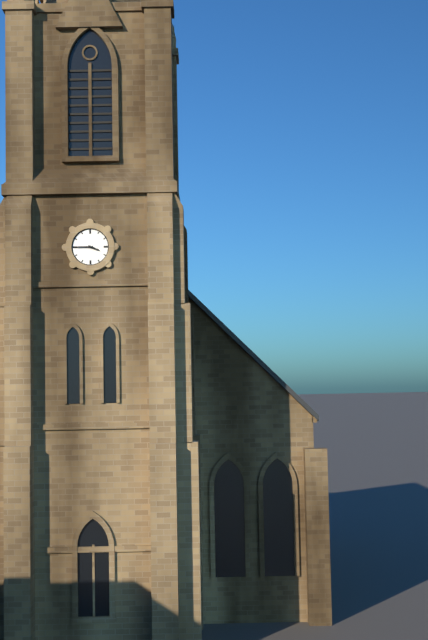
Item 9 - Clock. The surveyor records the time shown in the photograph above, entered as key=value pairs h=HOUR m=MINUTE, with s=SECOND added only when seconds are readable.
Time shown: h=3 m=45
